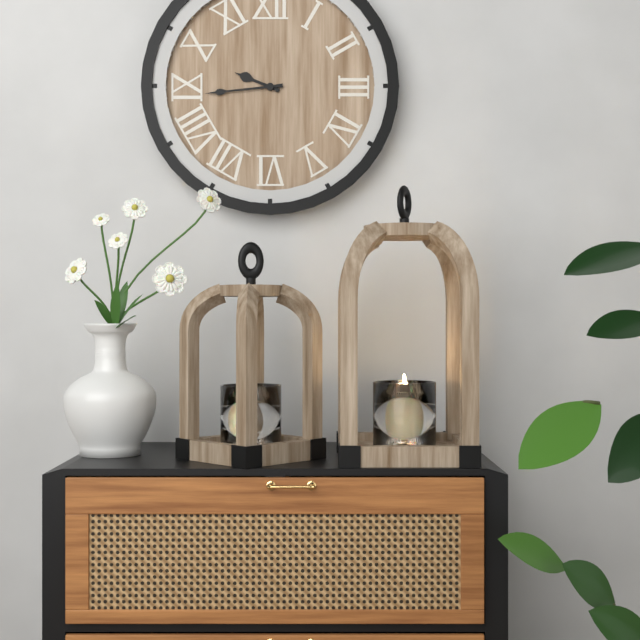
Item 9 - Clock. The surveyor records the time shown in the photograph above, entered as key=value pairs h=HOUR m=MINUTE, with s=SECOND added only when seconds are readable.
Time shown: h=9 m=44
